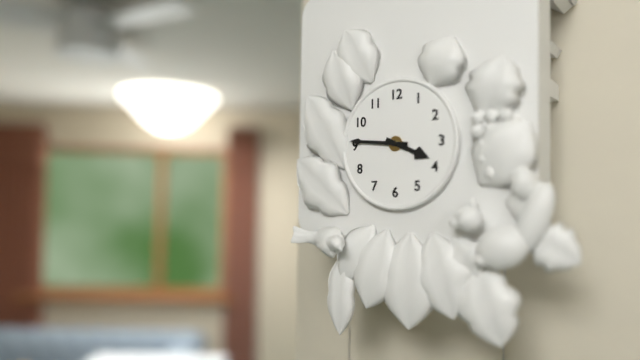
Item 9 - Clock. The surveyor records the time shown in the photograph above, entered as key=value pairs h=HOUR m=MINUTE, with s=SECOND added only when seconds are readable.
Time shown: h=3 m=46
